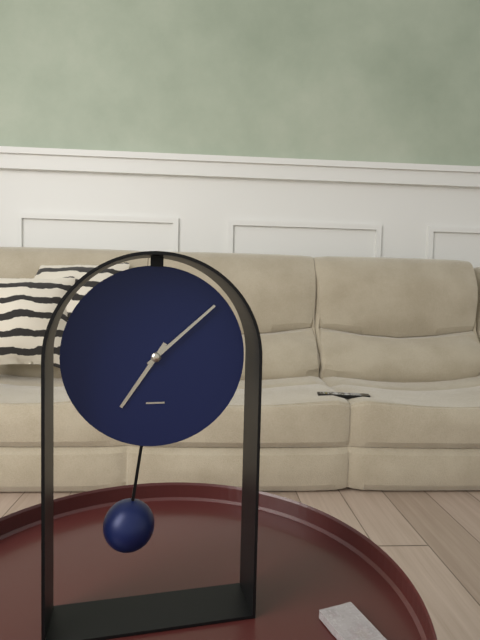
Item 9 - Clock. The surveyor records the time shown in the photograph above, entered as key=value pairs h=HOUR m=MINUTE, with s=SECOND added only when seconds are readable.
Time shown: h=7 m=8
